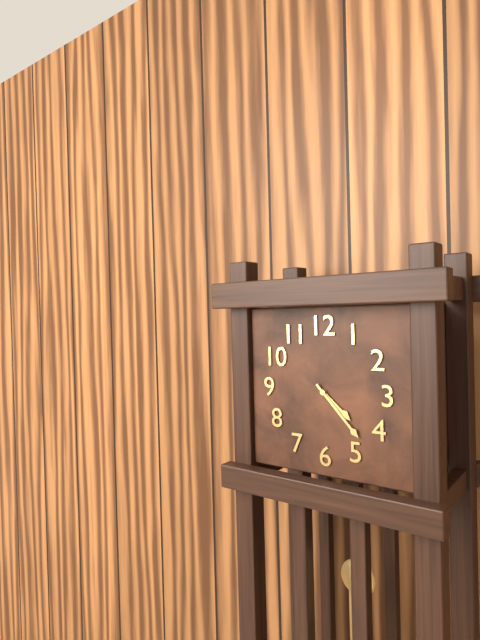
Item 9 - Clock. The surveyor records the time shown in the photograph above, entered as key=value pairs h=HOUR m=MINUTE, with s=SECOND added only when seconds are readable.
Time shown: h=4 m=23
